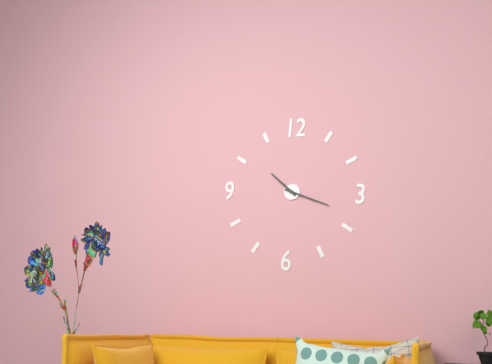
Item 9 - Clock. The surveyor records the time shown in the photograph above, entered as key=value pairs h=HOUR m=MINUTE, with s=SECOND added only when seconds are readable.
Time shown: h=10 m=18
